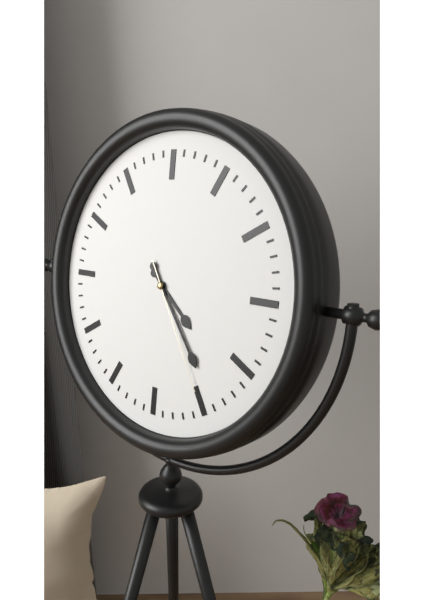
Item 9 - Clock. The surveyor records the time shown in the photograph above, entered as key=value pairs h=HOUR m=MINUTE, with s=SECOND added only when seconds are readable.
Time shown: h=4 m=24 s=25
